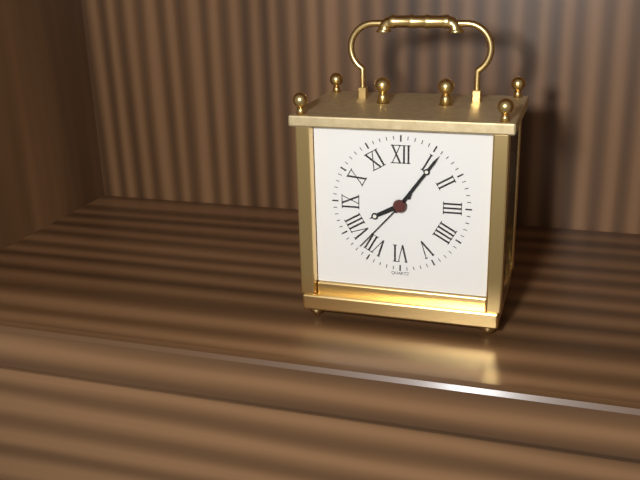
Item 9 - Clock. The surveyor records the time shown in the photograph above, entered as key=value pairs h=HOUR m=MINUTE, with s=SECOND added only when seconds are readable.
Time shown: h=8 m=6 s=37
